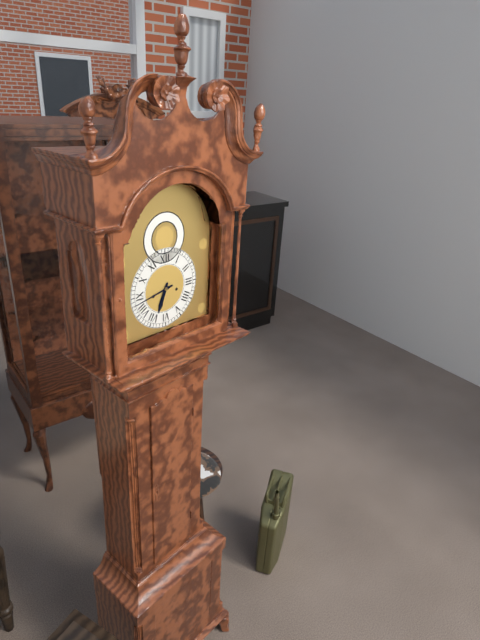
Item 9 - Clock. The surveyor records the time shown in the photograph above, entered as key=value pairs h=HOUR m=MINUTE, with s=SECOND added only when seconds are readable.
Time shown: h=6 m=43
